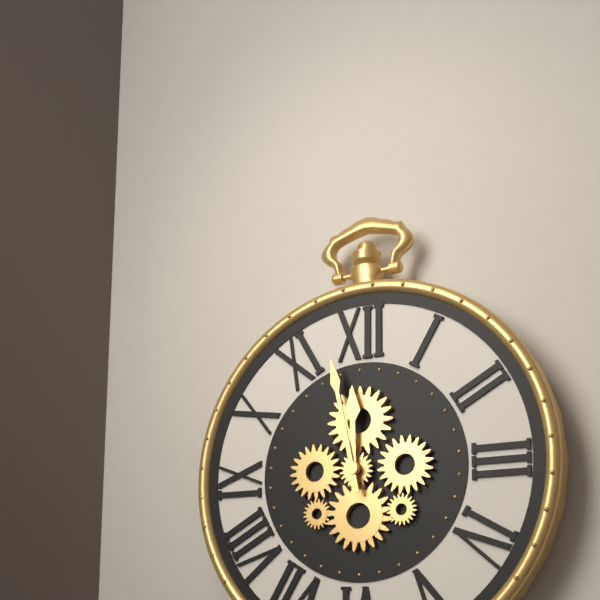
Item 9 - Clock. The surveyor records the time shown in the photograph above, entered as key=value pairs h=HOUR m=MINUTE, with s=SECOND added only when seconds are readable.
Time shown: h=11 m=58
